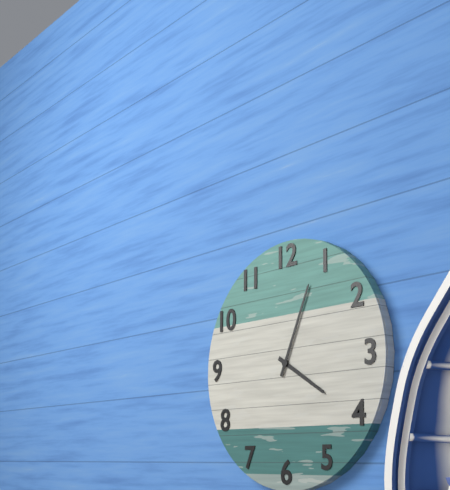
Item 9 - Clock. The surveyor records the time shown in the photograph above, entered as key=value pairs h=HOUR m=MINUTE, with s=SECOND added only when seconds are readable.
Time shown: h=4 m=4
